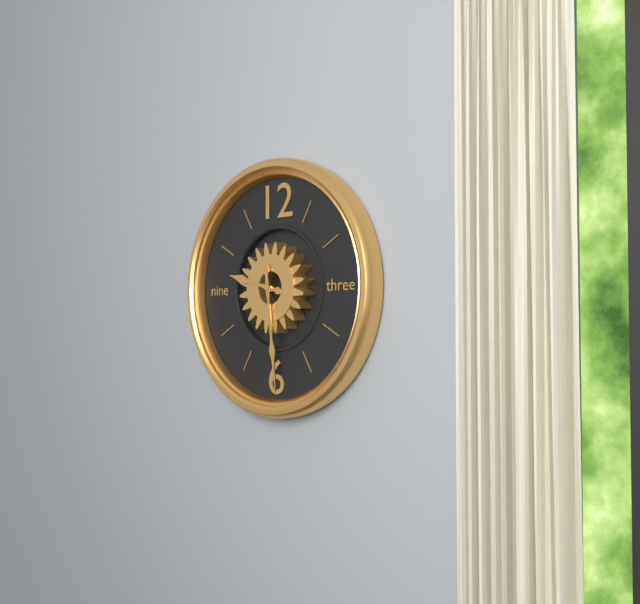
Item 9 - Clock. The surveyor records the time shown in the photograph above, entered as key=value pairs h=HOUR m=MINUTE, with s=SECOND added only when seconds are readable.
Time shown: h=9 m=29
